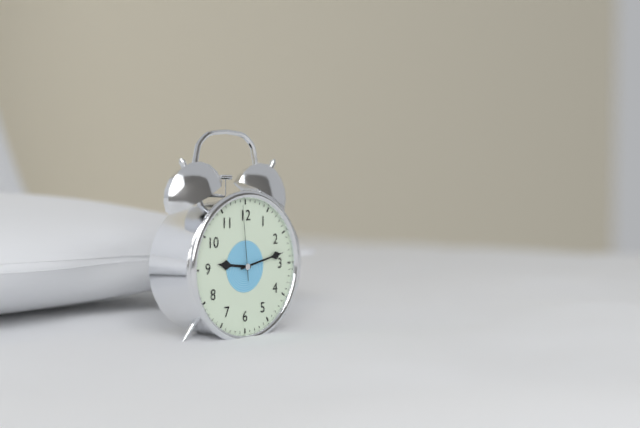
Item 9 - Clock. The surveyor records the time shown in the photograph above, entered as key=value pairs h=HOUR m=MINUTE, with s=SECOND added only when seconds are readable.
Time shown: h=9 m=13 s=59
